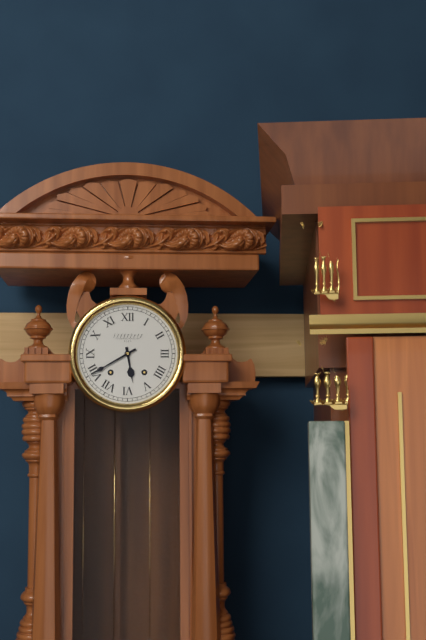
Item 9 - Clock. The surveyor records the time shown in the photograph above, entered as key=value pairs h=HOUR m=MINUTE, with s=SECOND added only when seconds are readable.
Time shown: h=5 m=40
